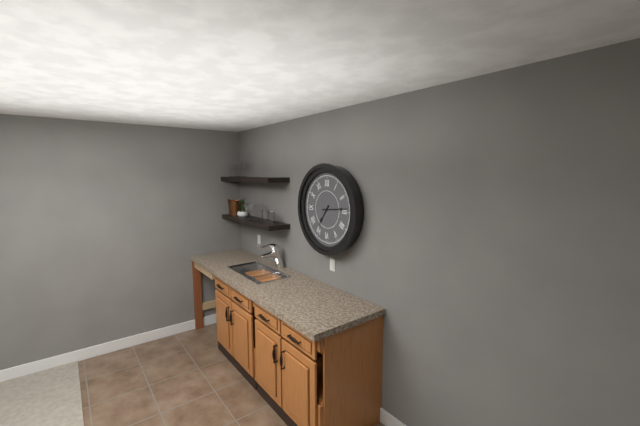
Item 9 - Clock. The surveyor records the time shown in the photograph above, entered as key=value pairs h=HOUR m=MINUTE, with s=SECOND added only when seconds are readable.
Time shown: h=7 m=14
